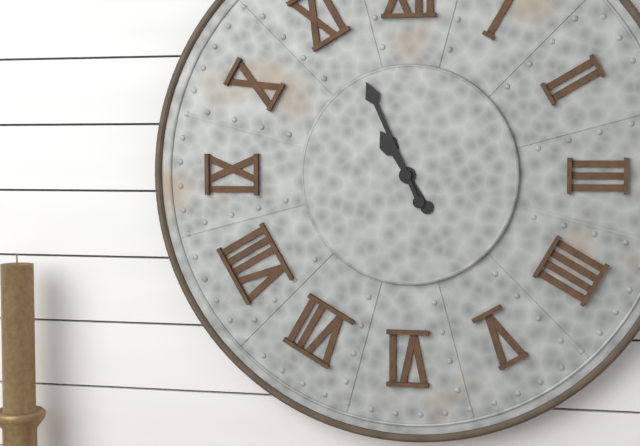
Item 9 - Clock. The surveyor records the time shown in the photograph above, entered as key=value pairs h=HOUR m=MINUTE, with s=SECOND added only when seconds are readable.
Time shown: h=10 m=56
